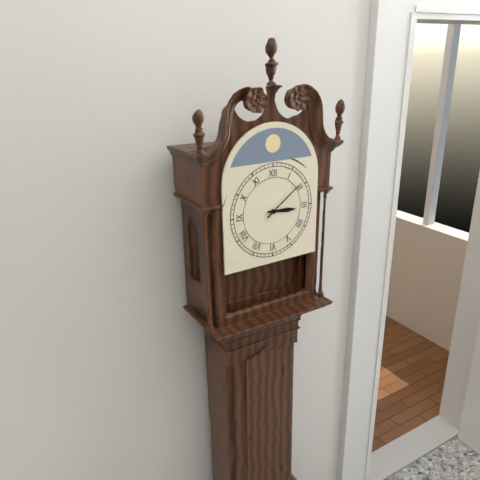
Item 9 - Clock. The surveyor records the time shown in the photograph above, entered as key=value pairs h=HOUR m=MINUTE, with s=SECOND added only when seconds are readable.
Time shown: h=3 m=9
